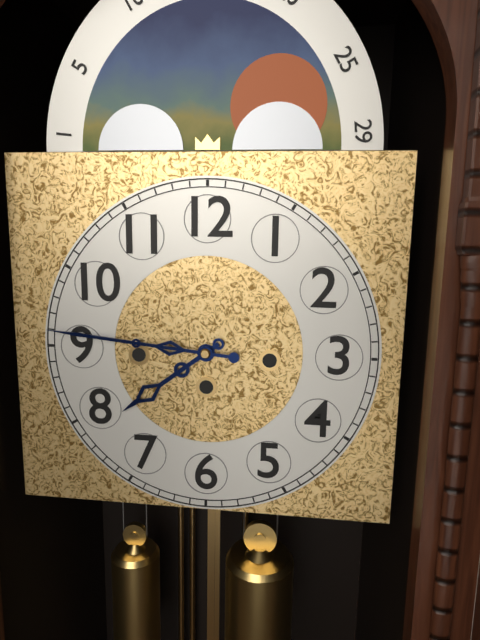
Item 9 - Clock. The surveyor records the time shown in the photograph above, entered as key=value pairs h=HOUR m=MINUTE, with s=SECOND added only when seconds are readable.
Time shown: h=7 m=46
